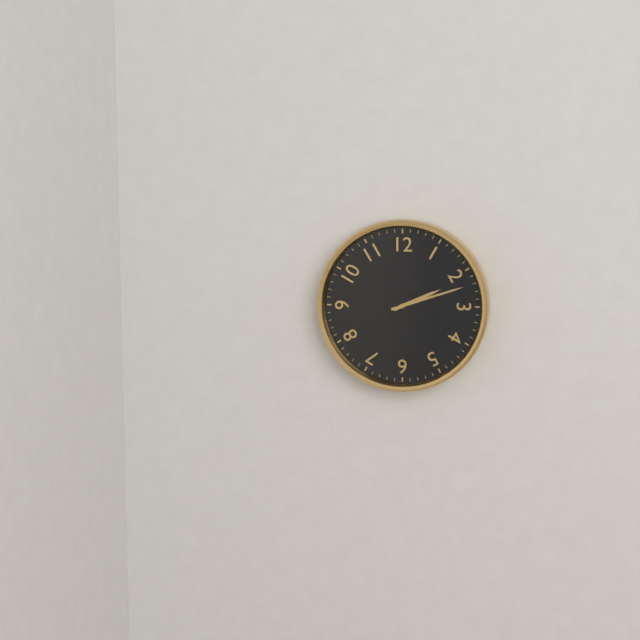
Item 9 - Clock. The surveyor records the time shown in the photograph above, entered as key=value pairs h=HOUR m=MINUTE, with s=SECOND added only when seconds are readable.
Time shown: h=2 m=12
